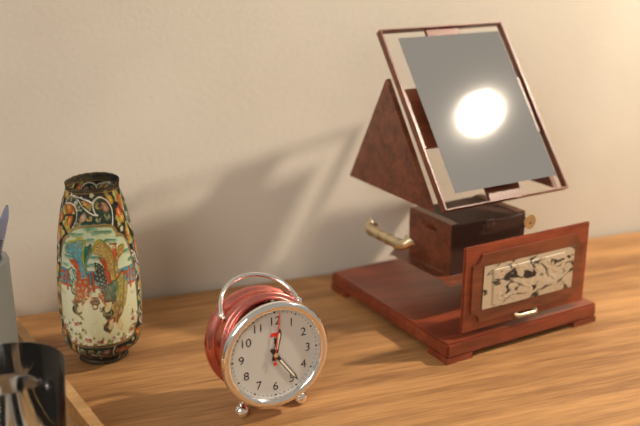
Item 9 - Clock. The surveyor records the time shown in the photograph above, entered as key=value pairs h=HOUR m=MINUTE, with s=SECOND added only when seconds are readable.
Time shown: h=12 m=24 s=1
